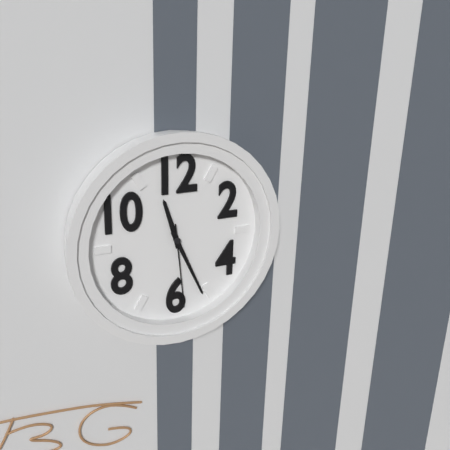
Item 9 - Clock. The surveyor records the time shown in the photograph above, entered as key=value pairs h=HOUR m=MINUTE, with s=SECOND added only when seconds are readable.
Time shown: h=11 m=26 s=29
